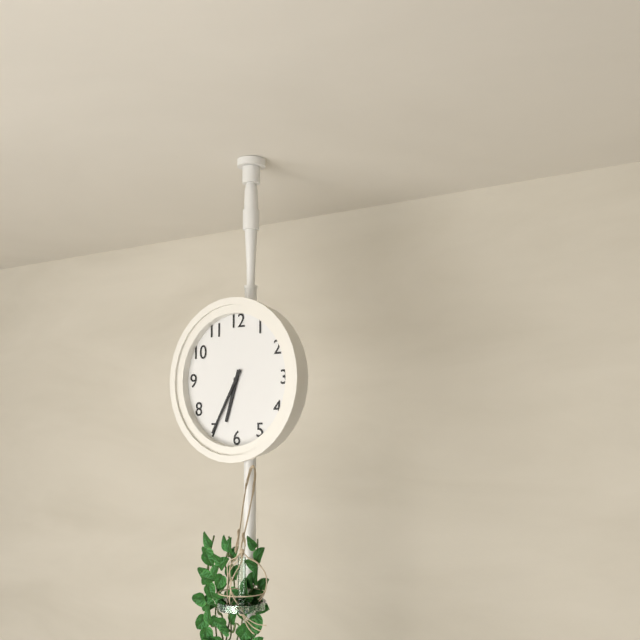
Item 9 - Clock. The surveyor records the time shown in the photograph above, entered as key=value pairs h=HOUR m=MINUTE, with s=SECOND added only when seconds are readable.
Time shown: h=6 m=35
